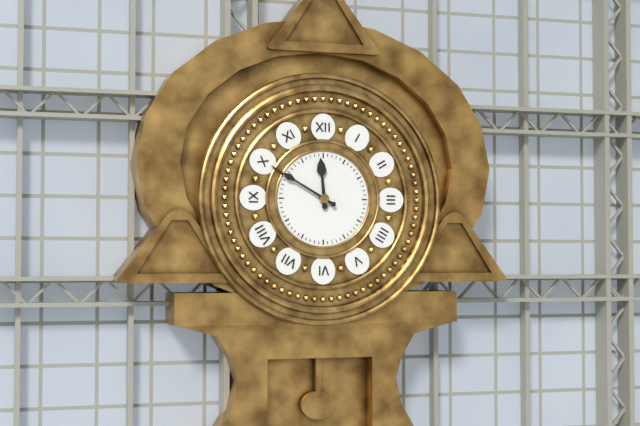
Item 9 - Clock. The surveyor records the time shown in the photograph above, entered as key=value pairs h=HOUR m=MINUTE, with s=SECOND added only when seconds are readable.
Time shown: h=11 m=50
